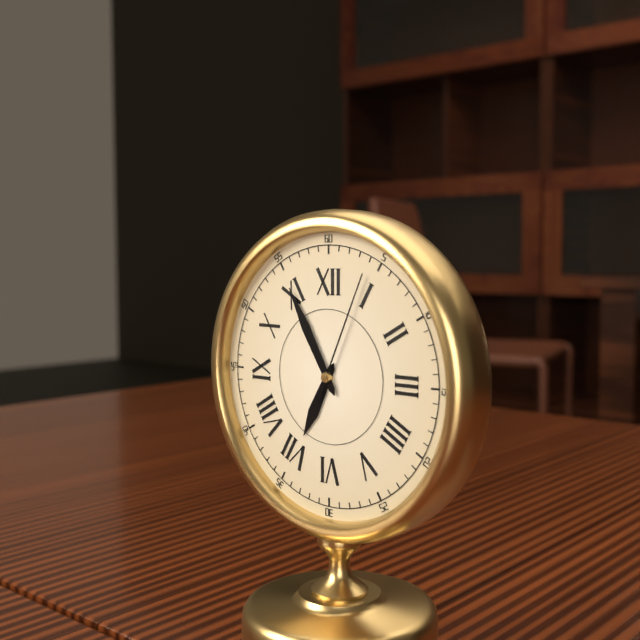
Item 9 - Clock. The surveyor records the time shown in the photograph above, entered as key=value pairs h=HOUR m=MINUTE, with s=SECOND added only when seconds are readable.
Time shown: h=6 m=55 s=4
